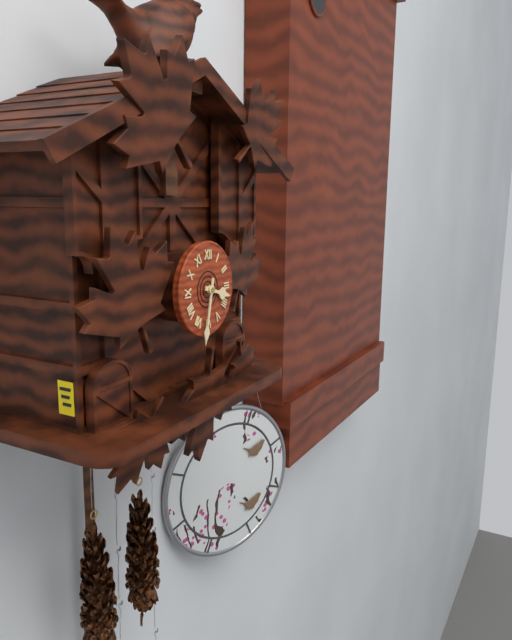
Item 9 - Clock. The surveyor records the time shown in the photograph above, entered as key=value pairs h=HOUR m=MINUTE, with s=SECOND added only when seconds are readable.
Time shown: h=3 m=32
